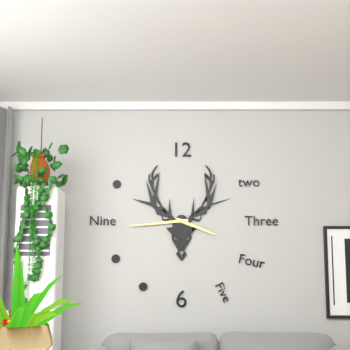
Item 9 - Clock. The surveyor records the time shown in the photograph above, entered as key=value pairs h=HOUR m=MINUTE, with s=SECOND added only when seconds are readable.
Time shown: h=3 m=44
